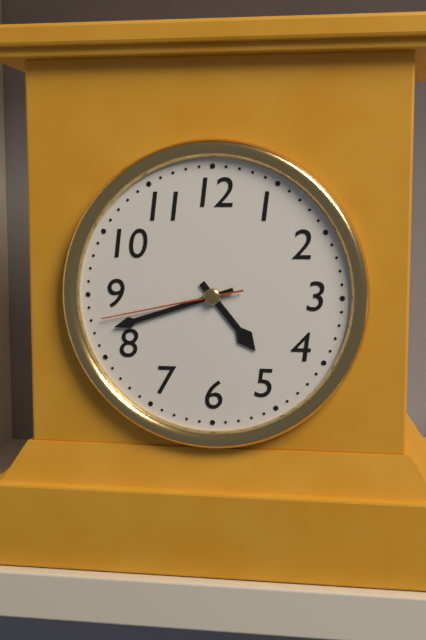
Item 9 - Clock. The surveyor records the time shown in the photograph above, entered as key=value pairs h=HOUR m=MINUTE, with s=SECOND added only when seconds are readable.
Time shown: h=4 m=42 s=43
